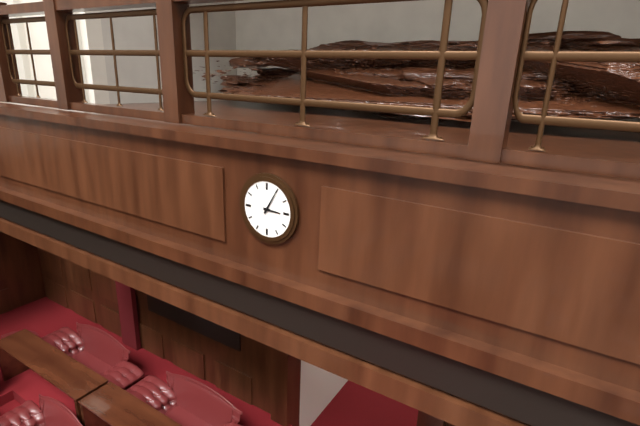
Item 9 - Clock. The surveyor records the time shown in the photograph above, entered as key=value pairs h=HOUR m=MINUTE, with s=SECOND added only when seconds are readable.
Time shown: h=3 m=5
